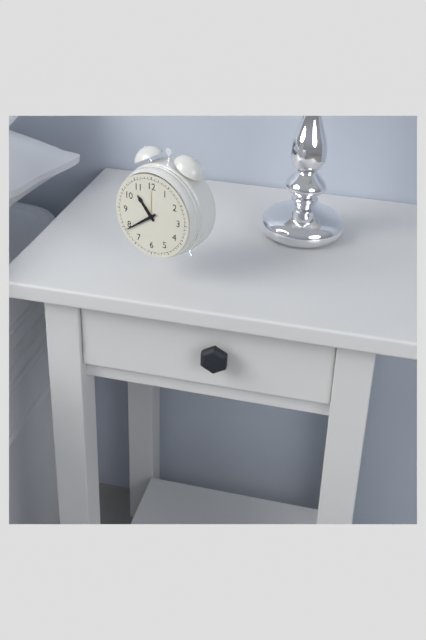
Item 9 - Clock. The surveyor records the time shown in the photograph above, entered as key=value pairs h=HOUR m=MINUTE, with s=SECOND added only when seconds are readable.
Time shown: h=10 m=39
